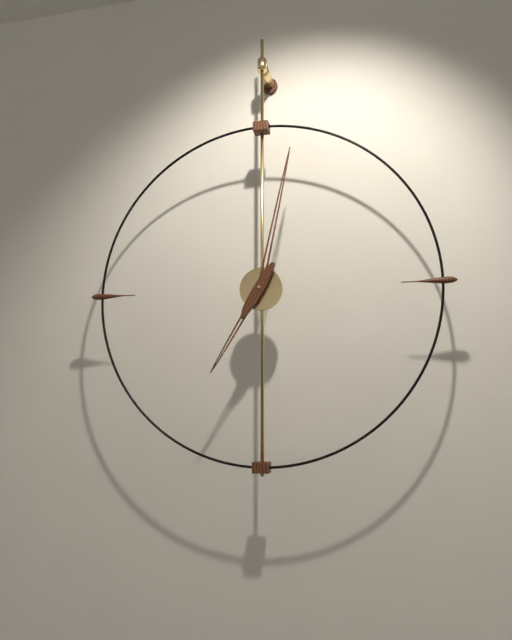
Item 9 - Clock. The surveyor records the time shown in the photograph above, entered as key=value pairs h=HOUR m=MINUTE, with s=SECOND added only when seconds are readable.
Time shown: h=7 m=2
